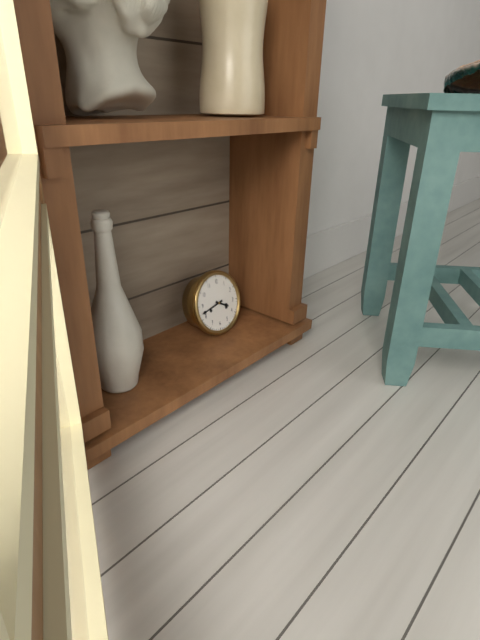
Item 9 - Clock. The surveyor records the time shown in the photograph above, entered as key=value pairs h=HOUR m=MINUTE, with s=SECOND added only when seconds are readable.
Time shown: h=3 m=42
